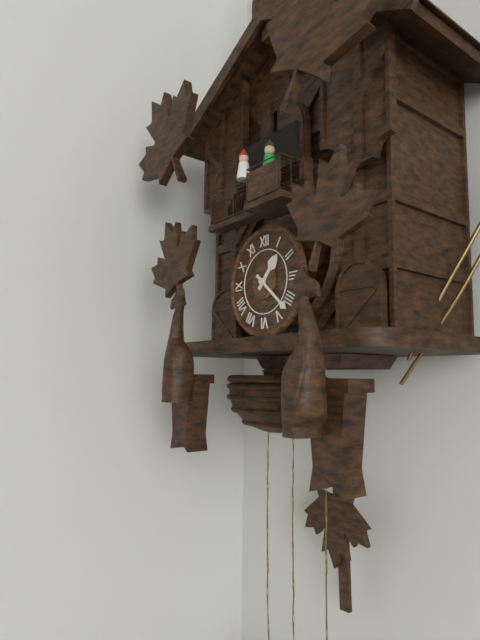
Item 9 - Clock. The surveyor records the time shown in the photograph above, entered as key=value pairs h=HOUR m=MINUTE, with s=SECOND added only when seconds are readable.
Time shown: h=1 m=22
